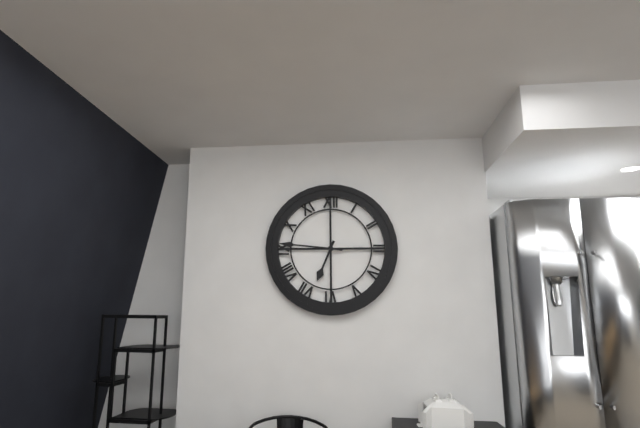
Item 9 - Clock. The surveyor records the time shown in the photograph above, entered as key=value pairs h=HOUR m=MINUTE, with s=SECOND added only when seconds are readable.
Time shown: h=6 m=46
